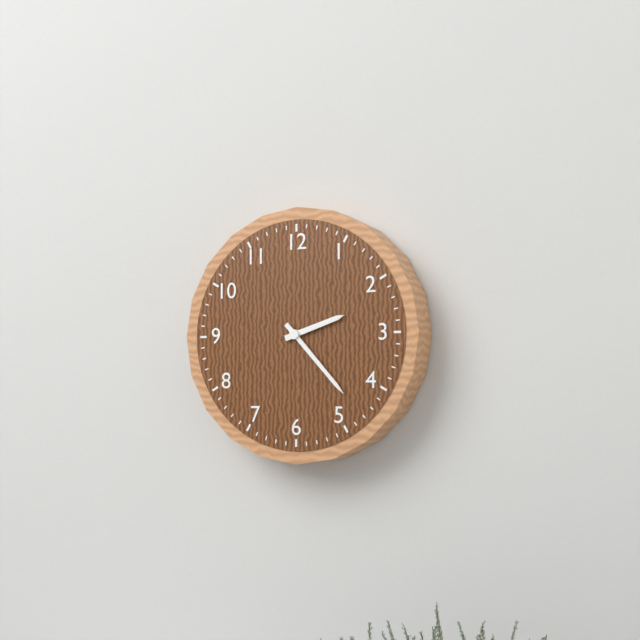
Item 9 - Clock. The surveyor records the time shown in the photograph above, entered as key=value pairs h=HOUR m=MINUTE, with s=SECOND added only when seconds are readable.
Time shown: h=2 m=23
